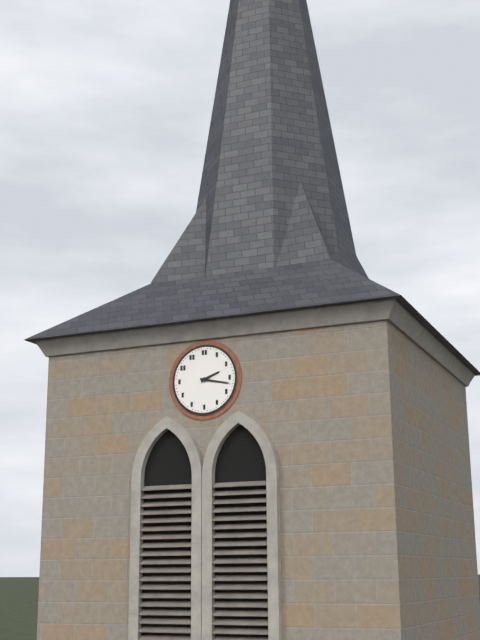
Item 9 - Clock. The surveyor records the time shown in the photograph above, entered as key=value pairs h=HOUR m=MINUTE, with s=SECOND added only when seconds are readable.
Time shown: h=2 m=17
